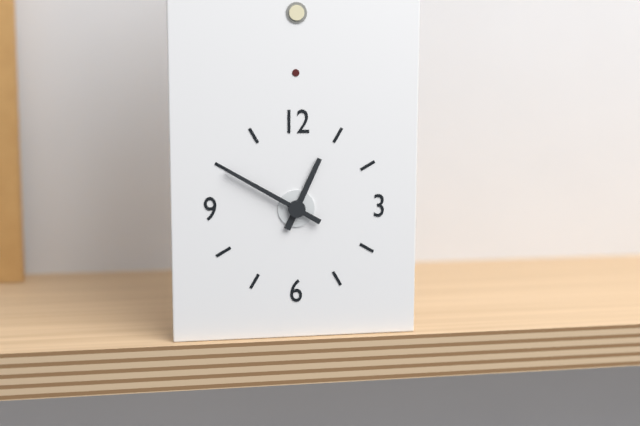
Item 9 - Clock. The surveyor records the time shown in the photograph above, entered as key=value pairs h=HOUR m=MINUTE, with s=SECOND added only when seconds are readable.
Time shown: h=12 m=50
